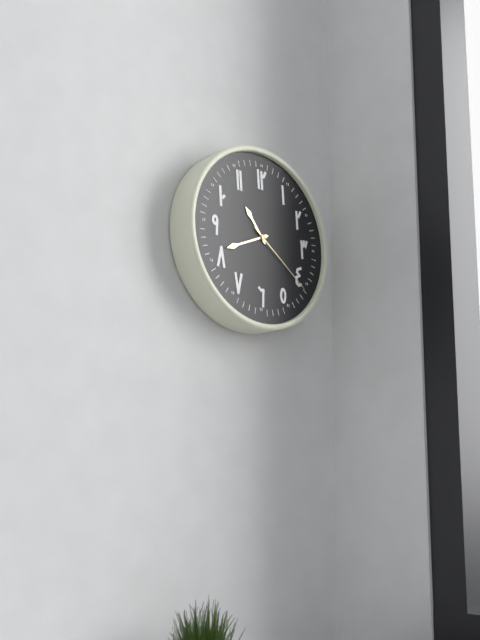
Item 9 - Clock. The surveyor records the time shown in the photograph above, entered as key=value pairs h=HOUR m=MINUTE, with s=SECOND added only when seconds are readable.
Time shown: h=10 m=41 s=21
